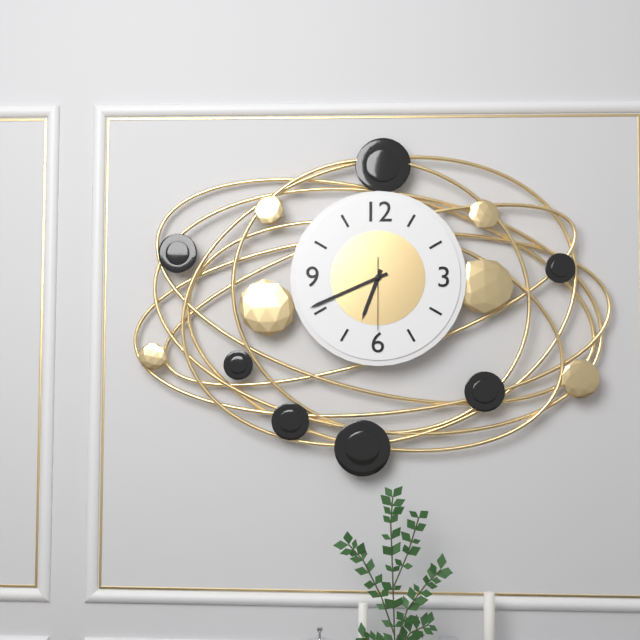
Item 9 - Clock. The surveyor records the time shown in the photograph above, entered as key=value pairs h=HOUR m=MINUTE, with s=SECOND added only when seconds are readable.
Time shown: h=6 m=41 s=30
